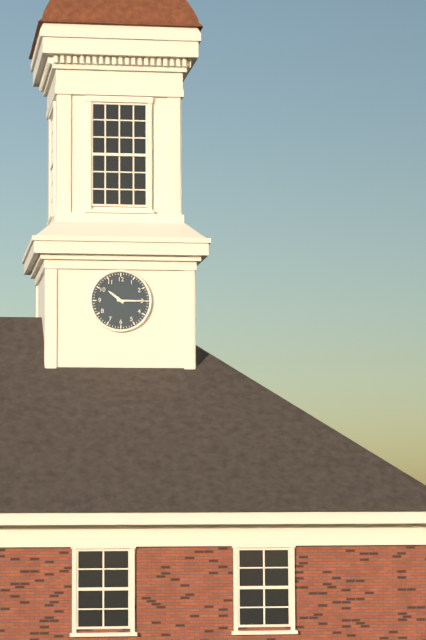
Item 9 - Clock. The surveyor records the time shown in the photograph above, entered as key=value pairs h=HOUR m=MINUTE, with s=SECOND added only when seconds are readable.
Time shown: h=10 m=15
